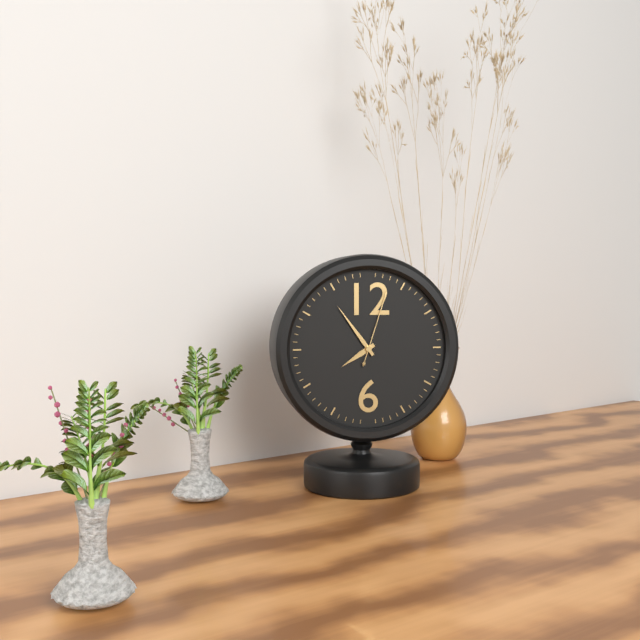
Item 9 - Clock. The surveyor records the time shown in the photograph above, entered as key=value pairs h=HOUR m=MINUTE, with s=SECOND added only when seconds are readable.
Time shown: h=7 m=54 s=3
